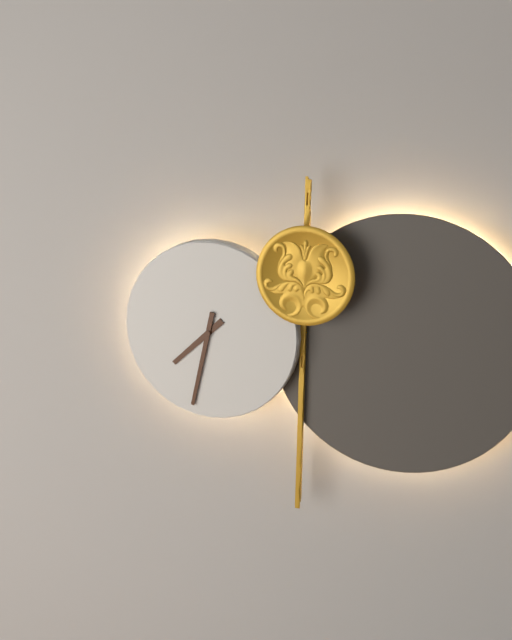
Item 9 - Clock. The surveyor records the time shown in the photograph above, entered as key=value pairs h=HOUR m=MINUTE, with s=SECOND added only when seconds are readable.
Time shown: h=7 m=32
